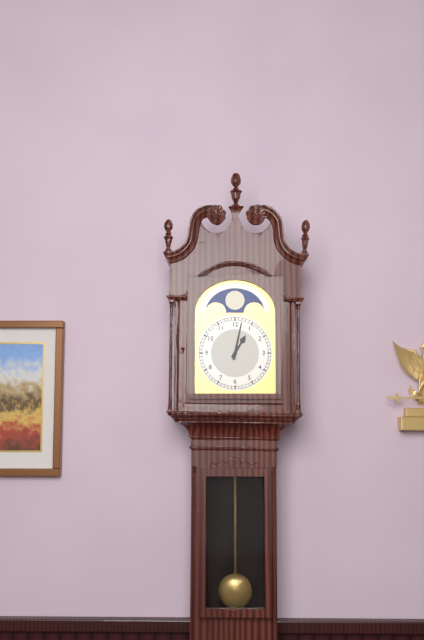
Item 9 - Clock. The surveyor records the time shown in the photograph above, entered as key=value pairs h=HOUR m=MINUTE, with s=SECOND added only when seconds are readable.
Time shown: h=1 m=2
